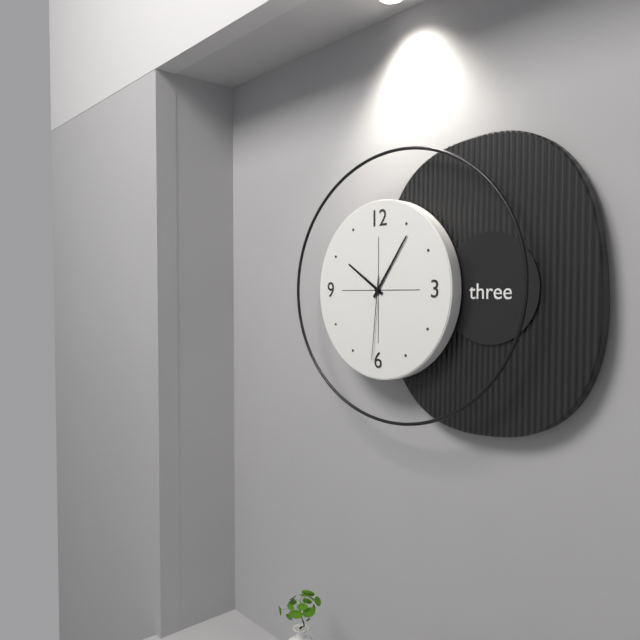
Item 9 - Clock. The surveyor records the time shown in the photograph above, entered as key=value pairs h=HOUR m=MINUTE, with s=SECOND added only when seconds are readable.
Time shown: h=10 m=6 s=31
